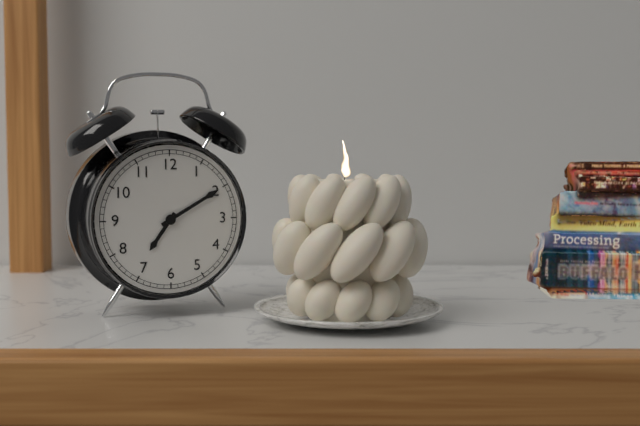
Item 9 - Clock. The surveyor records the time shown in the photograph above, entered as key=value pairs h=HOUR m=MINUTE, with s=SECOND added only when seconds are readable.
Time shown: h=7 m=10
